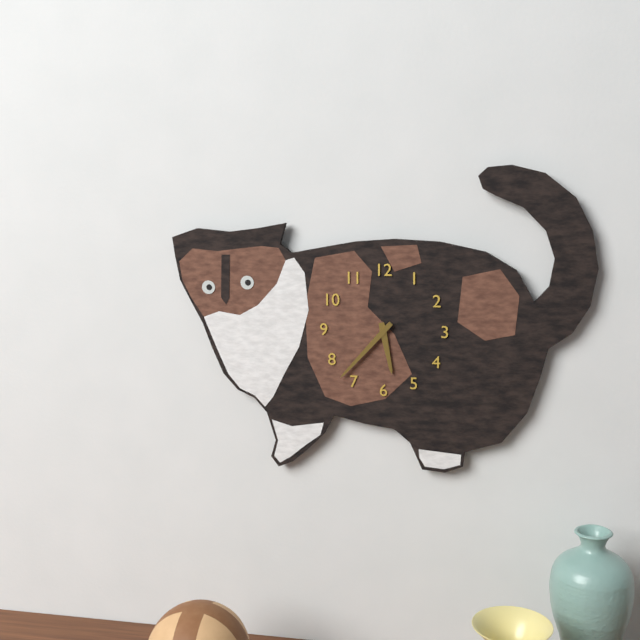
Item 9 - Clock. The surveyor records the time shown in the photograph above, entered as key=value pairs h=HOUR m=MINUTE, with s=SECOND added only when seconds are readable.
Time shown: h=5 m=37
